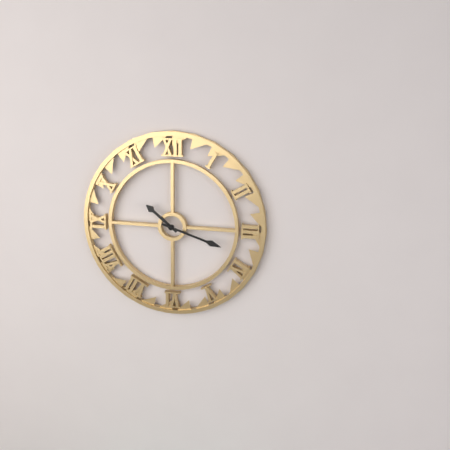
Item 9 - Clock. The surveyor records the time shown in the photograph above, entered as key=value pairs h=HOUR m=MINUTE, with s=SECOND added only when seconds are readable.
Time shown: h=10 m=18
